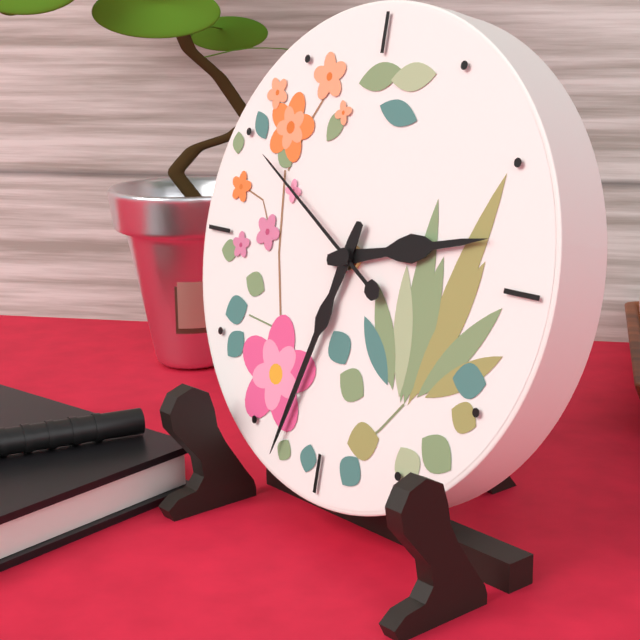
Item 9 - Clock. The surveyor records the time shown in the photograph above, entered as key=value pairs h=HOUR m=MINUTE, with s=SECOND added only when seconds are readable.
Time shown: h=2 m=33 s=50
